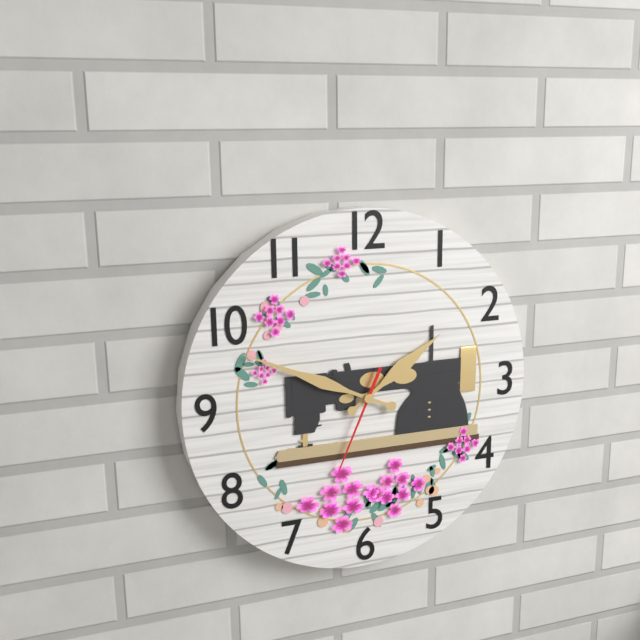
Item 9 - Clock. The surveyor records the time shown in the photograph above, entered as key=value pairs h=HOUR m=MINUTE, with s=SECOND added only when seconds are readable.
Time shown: h=1 m=49 s=34
